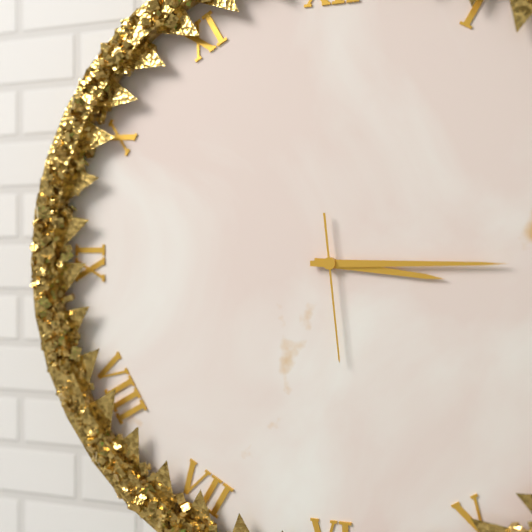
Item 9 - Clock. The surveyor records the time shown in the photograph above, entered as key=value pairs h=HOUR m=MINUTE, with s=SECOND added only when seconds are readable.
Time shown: h=3 m=15 s=29
